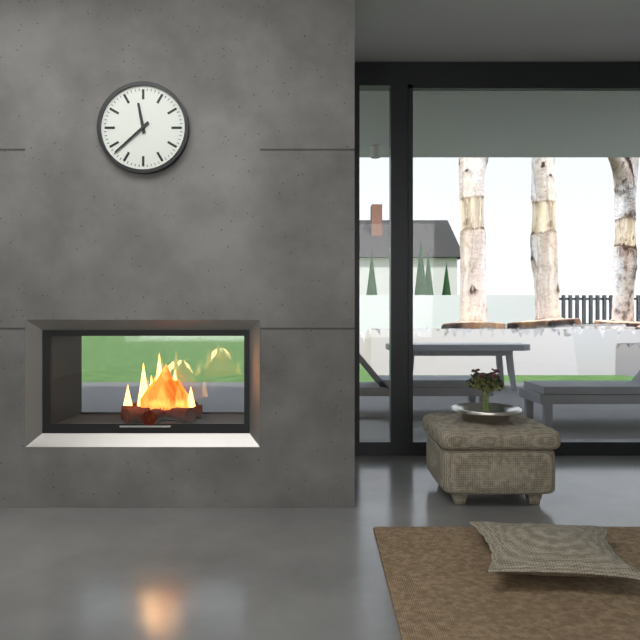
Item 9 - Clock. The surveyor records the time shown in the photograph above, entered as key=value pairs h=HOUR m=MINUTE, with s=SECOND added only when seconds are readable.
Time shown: h=11 m=38
